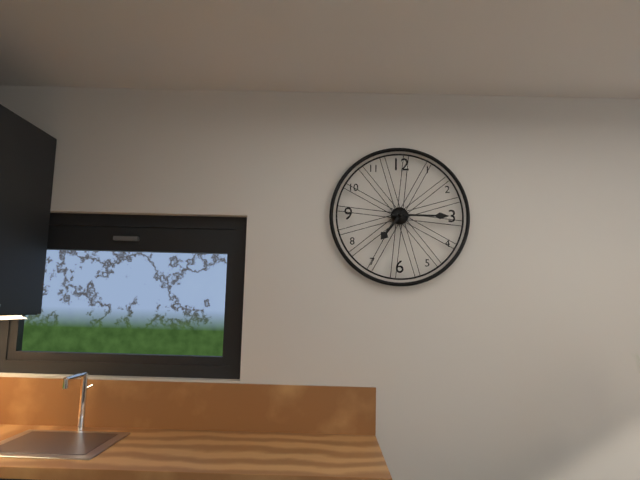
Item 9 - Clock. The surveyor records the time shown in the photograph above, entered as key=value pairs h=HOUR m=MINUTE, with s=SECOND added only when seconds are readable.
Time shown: h=7 m=15
